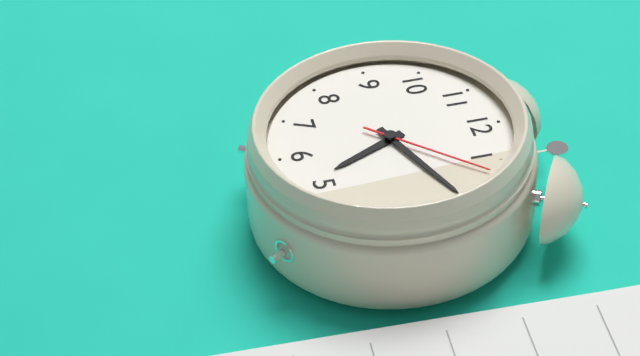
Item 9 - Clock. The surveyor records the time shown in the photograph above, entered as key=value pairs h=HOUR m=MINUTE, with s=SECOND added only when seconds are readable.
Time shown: h=5 m=11 s=7
